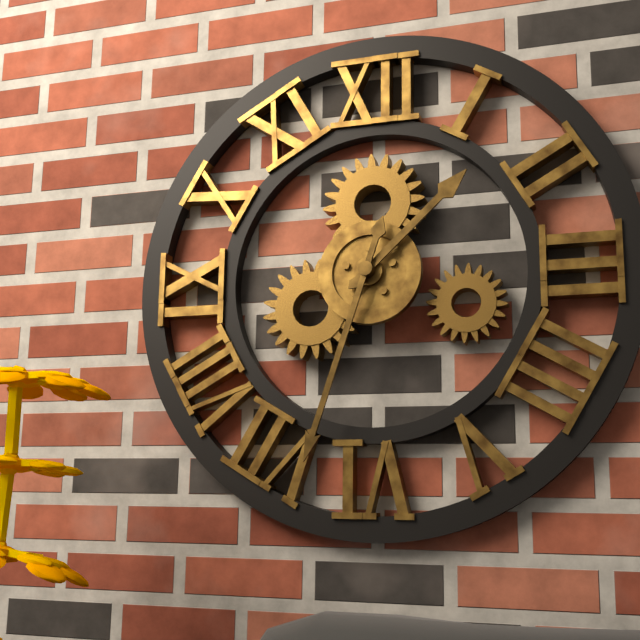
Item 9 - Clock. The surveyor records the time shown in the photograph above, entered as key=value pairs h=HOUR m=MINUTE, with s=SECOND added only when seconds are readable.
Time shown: h=1 m=33
